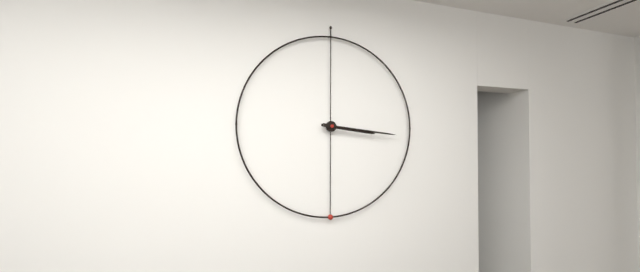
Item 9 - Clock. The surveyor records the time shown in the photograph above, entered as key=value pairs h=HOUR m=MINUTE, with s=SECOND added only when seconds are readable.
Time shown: h=3 m=16
